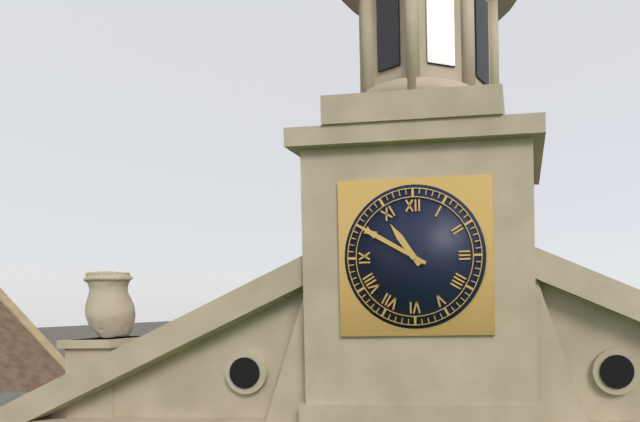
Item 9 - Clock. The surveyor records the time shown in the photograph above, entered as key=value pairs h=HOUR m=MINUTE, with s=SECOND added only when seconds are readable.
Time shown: h=10 m=50
